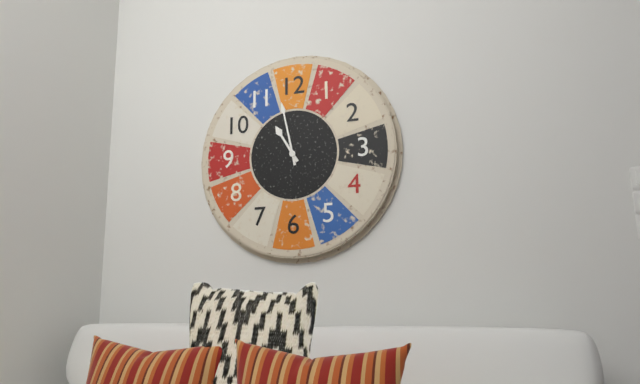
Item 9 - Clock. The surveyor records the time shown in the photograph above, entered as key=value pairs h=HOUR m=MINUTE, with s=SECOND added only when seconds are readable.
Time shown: h=10 m=58
